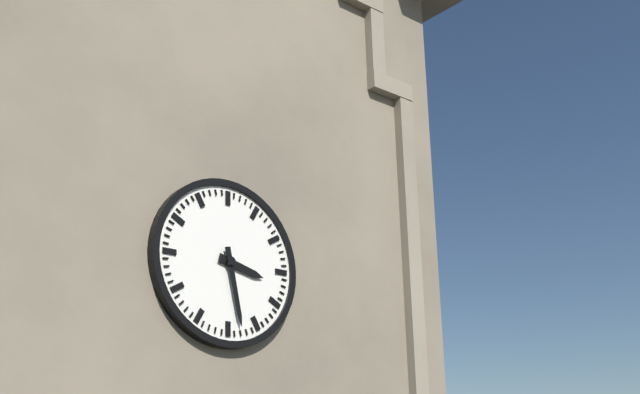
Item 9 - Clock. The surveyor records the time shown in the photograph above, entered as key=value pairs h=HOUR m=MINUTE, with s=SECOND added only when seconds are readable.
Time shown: h=3 m=28
